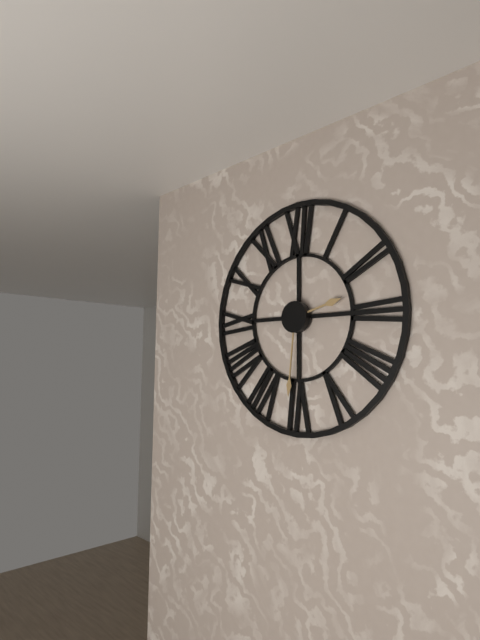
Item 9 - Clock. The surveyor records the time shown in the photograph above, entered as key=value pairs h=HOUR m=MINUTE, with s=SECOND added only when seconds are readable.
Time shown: h=2 m=31
